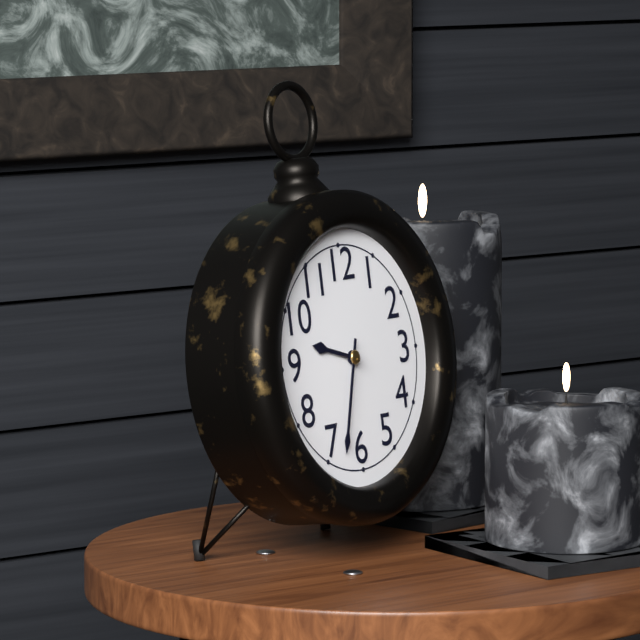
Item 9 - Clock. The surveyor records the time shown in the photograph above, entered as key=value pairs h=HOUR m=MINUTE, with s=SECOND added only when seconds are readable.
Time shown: h=9 m=33
